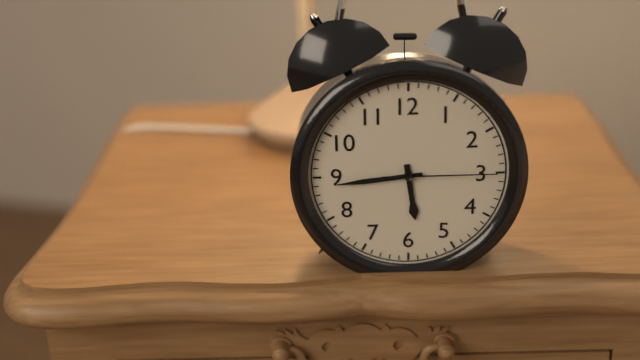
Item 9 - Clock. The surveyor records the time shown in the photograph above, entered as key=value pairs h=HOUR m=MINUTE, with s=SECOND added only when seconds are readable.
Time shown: h=5 m=44 s=15
